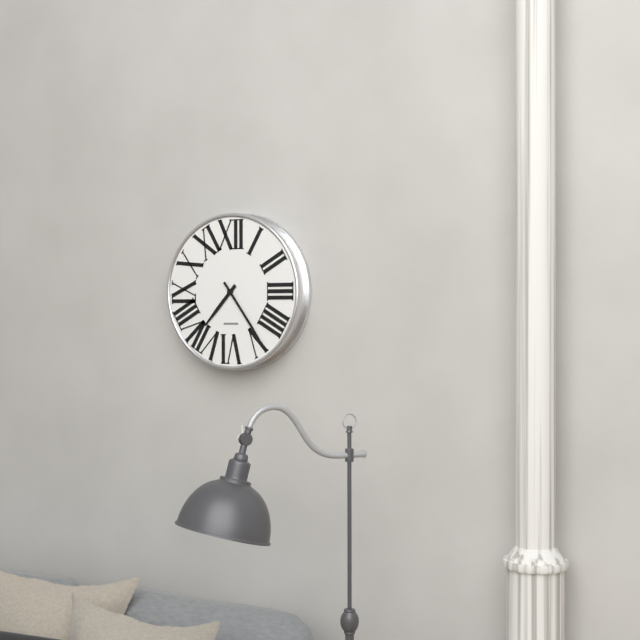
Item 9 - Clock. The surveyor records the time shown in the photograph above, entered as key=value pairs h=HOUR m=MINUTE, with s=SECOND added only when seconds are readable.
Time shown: h=7 m=24
